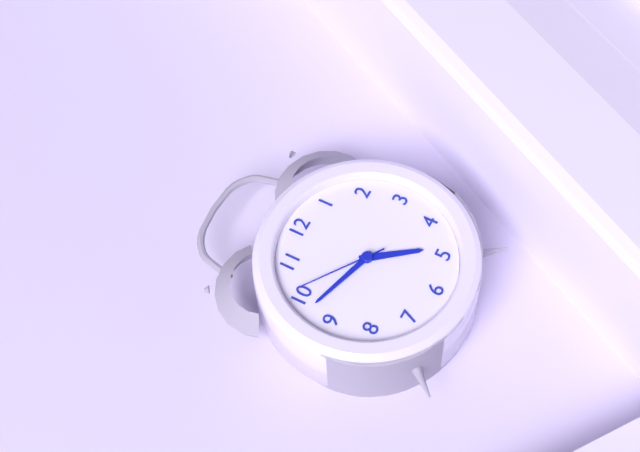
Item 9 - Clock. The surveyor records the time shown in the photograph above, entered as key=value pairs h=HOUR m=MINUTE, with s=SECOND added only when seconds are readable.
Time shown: h=4 m=48 s=51
